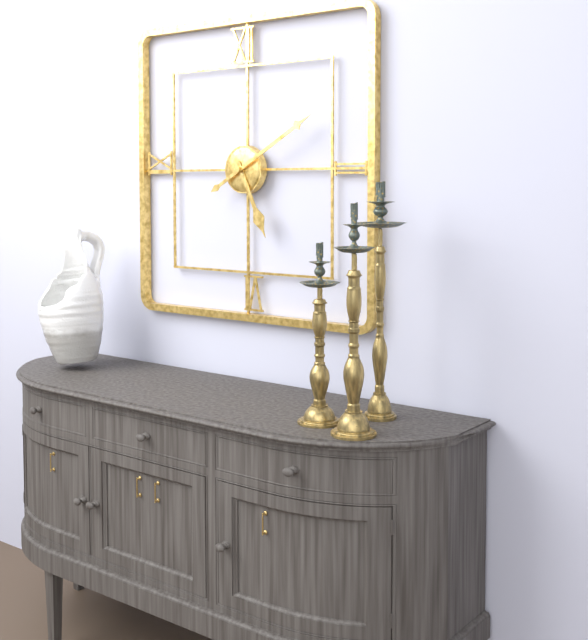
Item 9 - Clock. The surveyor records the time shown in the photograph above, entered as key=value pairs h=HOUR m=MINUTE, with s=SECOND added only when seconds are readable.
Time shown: h=5 m=10
